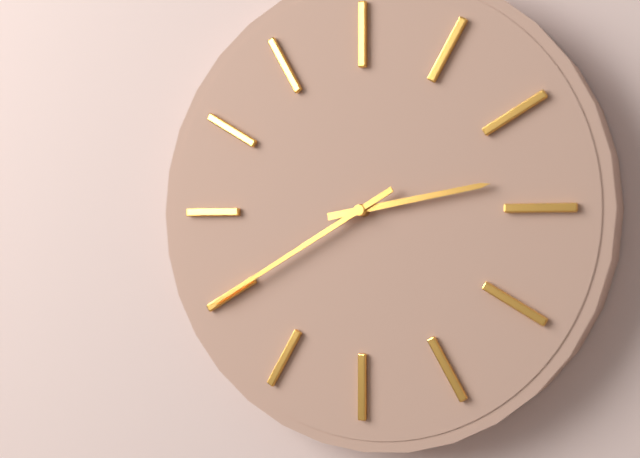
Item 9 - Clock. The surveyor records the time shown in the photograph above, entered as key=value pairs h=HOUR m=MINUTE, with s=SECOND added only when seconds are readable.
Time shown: h=2 m=40
